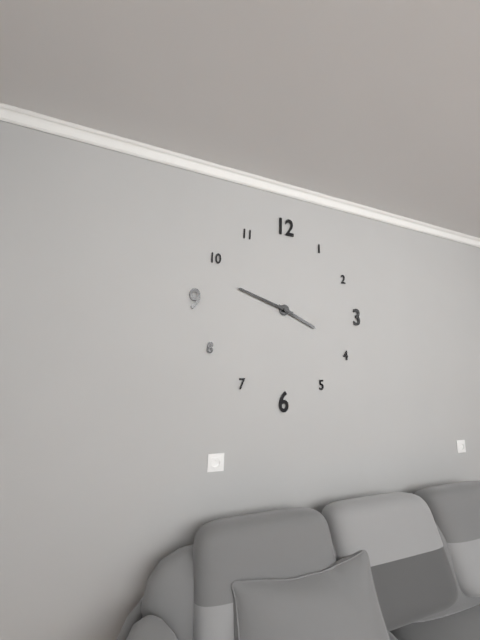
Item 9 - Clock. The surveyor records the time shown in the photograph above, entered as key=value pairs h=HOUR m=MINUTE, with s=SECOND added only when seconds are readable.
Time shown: h=3 m=48
